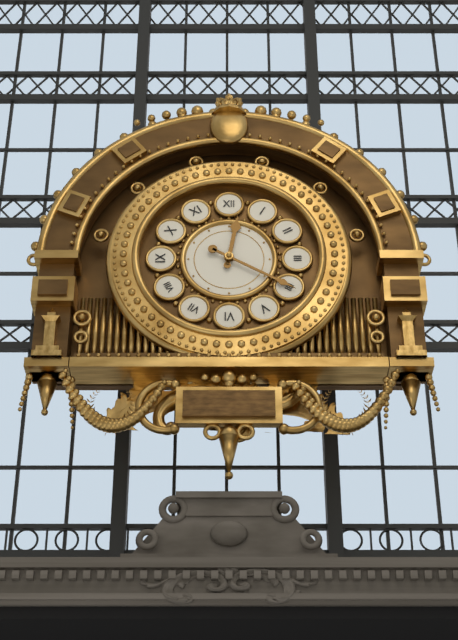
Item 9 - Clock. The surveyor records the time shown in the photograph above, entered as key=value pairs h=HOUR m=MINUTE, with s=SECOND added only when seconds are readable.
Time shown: h=12 m=20
